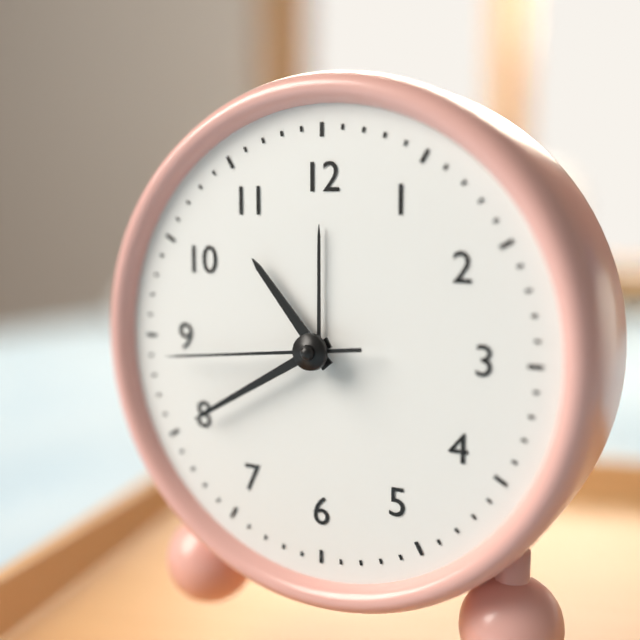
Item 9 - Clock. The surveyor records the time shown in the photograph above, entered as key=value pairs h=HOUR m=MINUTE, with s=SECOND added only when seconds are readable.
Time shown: h=10 m=40 s=44
